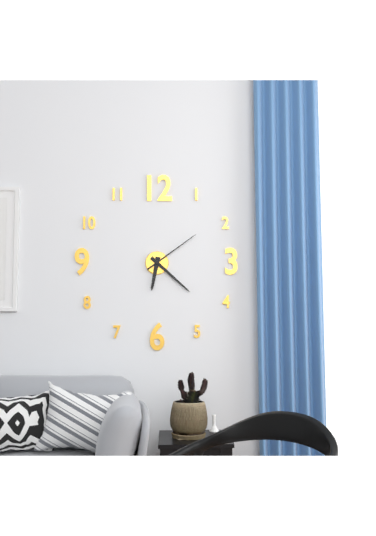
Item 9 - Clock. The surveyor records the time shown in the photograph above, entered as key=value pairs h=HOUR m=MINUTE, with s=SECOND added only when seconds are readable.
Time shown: h=6 m=22 s=9
